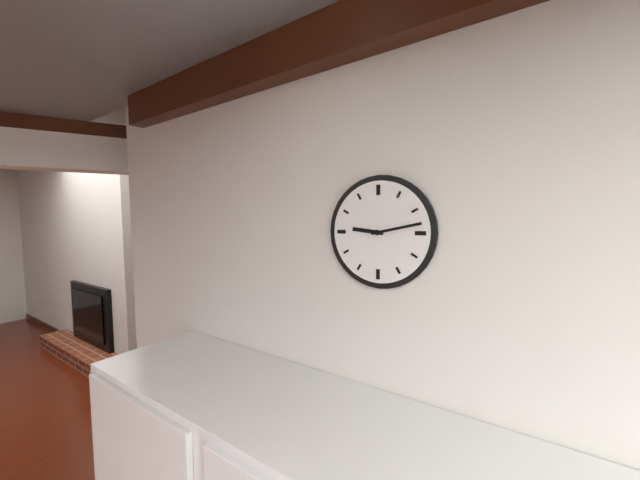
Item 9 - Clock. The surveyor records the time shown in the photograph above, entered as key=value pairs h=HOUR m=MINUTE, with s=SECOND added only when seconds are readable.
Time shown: h=9 m=13
